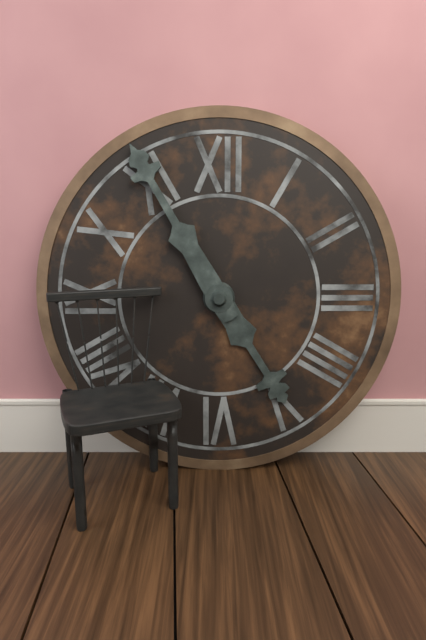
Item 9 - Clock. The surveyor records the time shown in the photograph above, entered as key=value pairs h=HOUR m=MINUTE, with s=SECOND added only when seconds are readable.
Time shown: h=4 m=55
